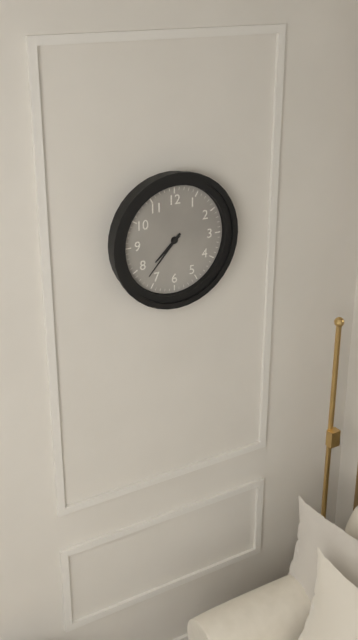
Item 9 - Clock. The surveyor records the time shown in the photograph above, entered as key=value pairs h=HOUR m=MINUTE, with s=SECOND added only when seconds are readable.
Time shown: h=7 m=37
